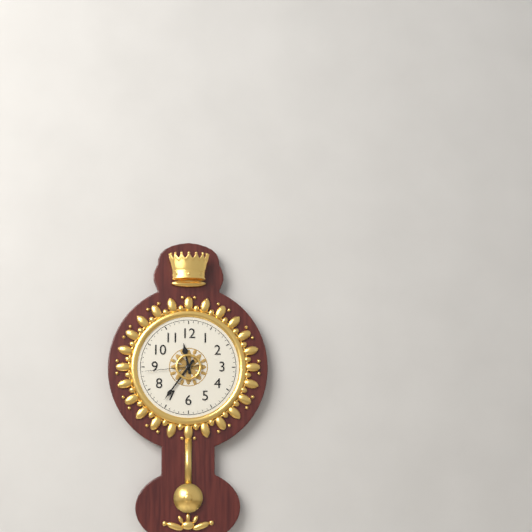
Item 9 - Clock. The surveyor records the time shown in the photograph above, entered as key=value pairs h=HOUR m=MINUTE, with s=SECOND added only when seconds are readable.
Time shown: h=11 m=36 s=44
